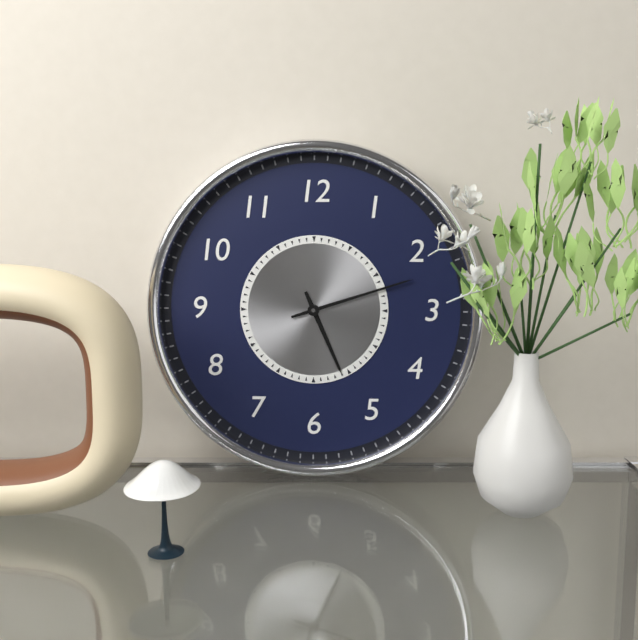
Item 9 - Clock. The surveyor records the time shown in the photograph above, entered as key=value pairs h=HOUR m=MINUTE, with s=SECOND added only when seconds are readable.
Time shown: h=5 m=12
